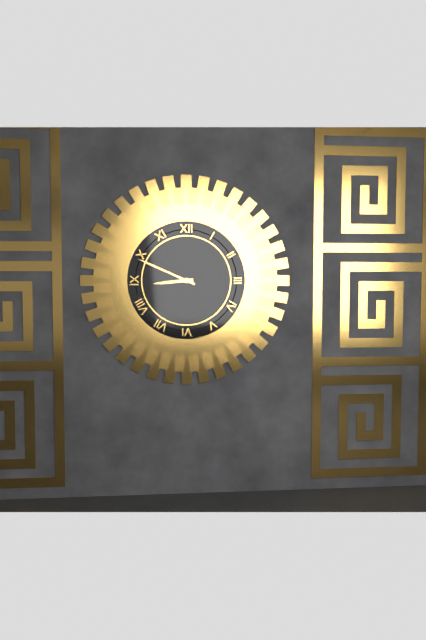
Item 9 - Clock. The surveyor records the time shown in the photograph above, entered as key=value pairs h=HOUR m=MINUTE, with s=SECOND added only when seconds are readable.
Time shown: h=8 m=49
